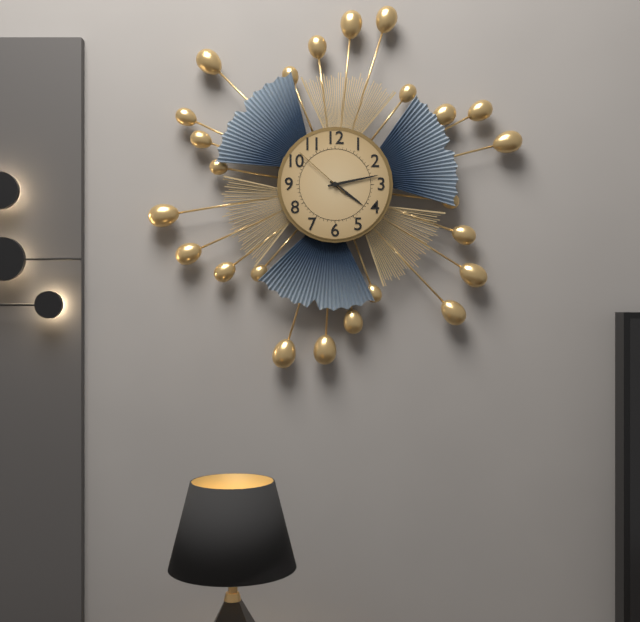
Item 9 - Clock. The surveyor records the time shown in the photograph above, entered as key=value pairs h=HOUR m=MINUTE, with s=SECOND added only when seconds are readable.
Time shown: h=4 m=13 s=52
